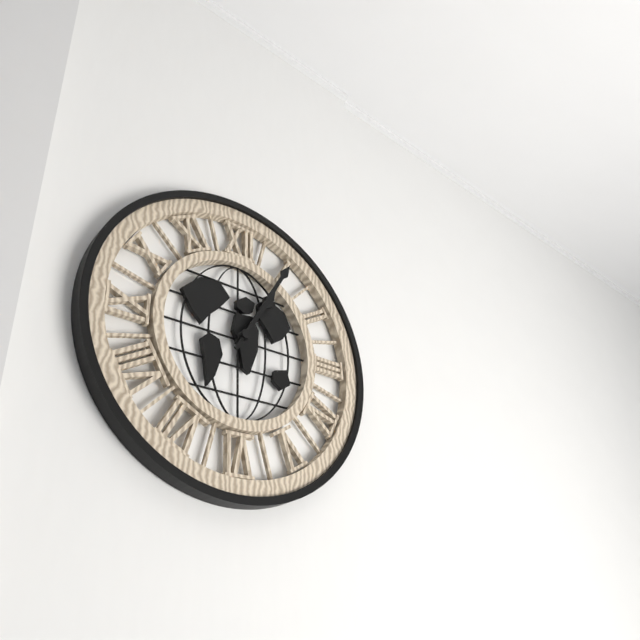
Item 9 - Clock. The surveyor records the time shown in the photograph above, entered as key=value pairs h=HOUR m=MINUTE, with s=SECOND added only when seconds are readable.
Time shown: h=1 m=5
